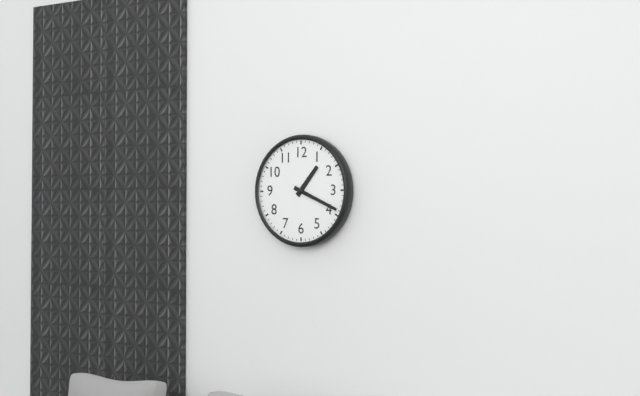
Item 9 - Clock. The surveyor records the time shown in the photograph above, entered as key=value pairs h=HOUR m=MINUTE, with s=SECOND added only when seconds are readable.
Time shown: h=1 m=19
